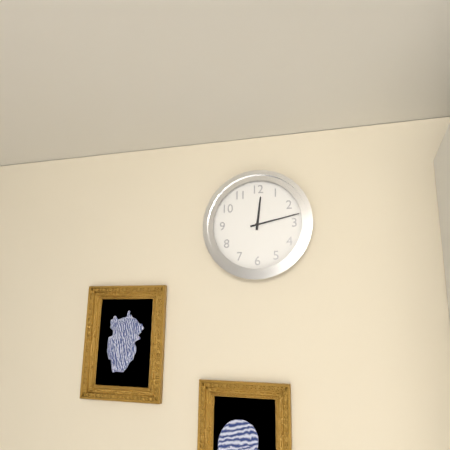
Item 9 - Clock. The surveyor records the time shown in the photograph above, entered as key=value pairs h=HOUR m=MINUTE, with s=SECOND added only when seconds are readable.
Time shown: h=12 m=13
